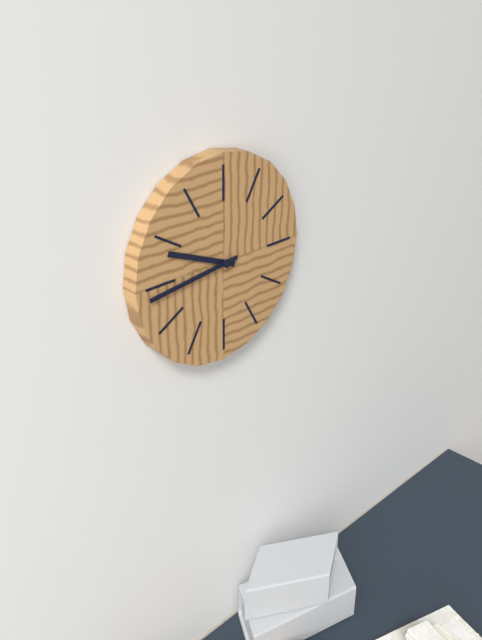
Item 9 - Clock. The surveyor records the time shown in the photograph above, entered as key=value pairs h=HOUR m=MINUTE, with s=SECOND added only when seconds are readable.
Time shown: h=9 m=44
